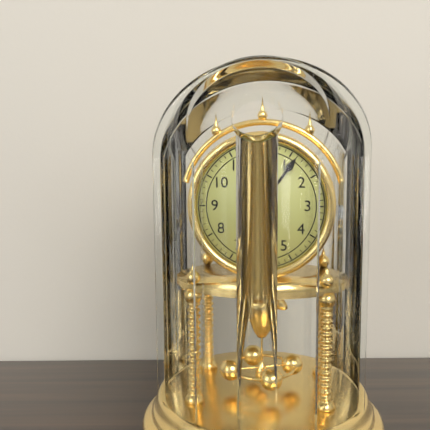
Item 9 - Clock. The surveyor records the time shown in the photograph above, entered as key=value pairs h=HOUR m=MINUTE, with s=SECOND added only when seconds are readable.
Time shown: h=11 m=6
